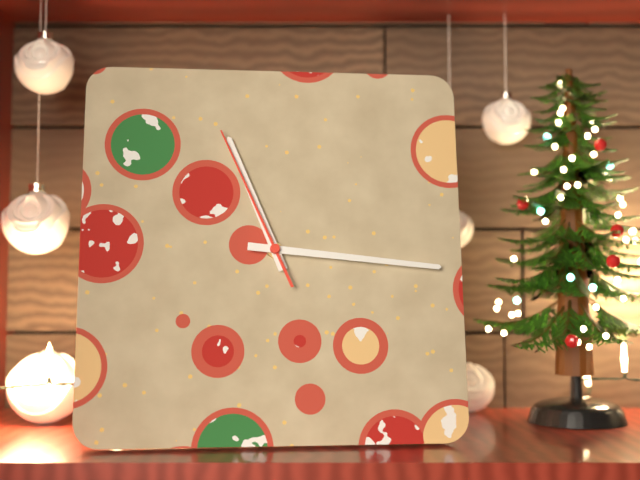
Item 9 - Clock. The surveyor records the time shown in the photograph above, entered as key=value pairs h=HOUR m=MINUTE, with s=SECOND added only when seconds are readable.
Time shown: h=11 m=16 s=56
